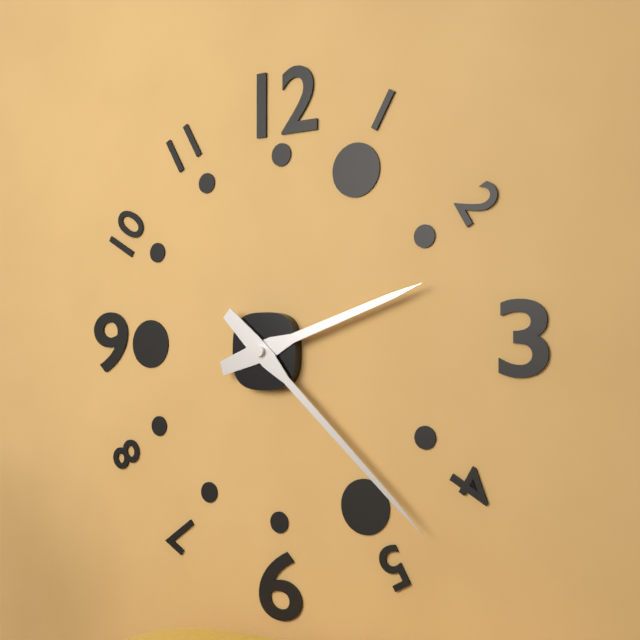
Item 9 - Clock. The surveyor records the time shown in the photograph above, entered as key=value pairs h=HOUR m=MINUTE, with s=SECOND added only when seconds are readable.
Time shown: h=2 m=22
